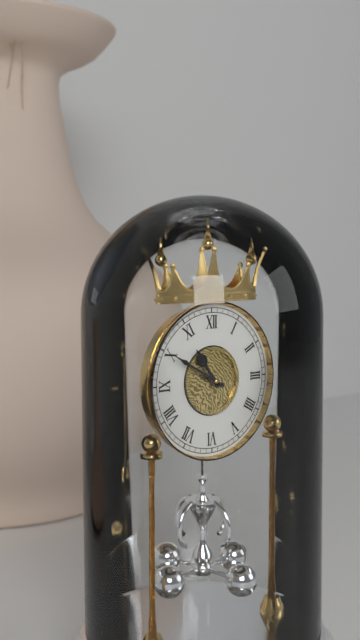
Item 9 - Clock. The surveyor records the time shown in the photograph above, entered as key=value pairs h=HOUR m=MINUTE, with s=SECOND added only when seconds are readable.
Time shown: h=10 m=50
